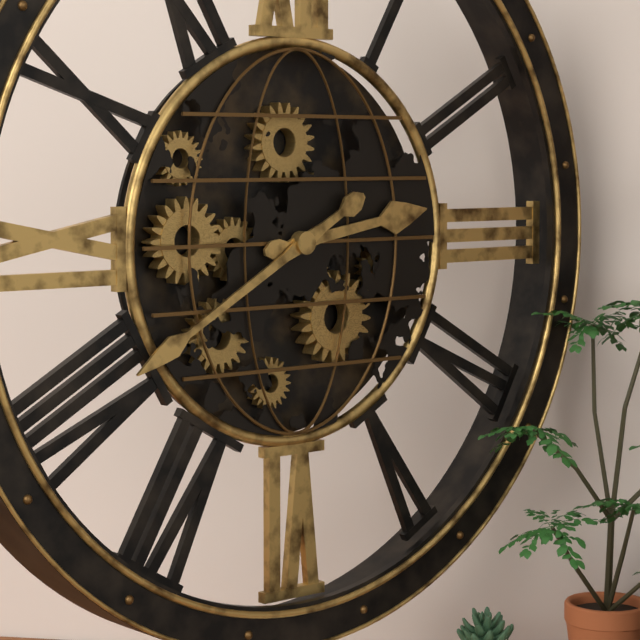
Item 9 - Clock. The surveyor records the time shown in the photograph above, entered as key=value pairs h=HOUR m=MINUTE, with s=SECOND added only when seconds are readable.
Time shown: h=2 m=40
